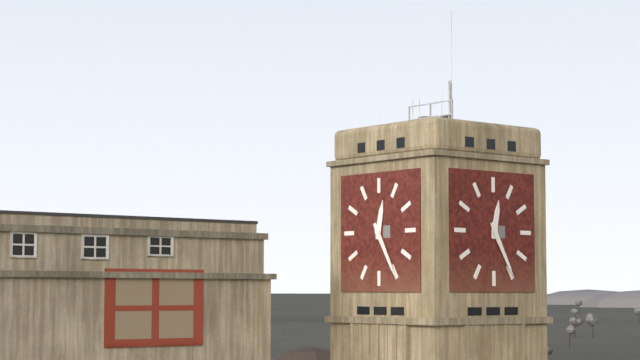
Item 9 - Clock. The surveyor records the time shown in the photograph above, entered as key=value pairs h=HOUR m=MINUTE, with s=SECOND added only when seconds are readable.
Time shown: h=12 m=25
